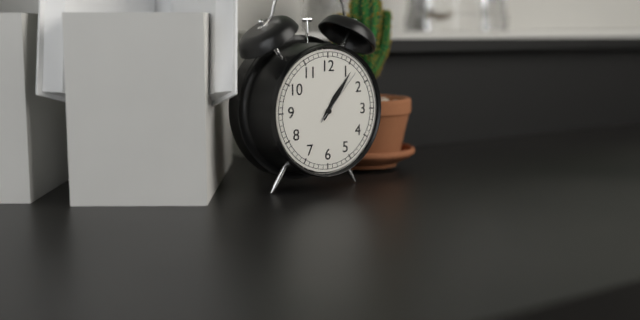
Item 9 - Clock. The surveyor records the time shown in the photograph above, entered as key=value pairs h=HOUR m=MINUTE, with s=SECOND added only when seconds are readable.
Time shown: h=1 m=6 s=7
